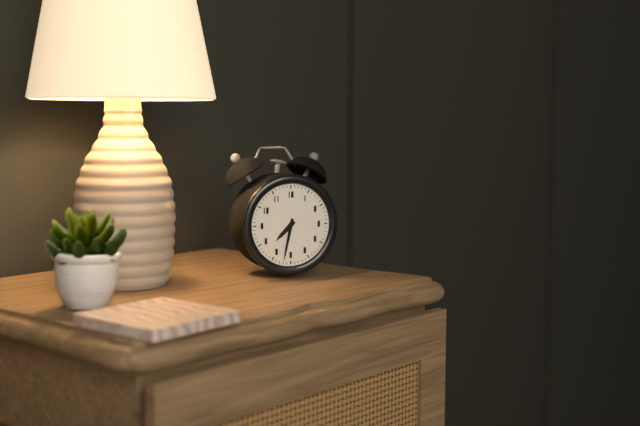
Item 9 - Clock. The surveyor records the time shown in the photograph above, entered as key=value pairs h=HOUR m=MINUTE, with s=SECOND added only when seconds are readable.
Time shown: h=7 m=32
